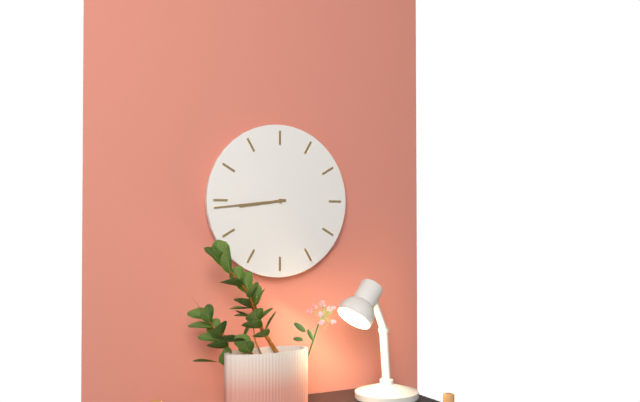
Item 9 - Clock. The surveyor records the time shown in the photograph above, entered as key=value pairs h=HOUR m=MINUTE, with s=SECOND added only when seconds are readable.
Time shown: h=8 m=44
